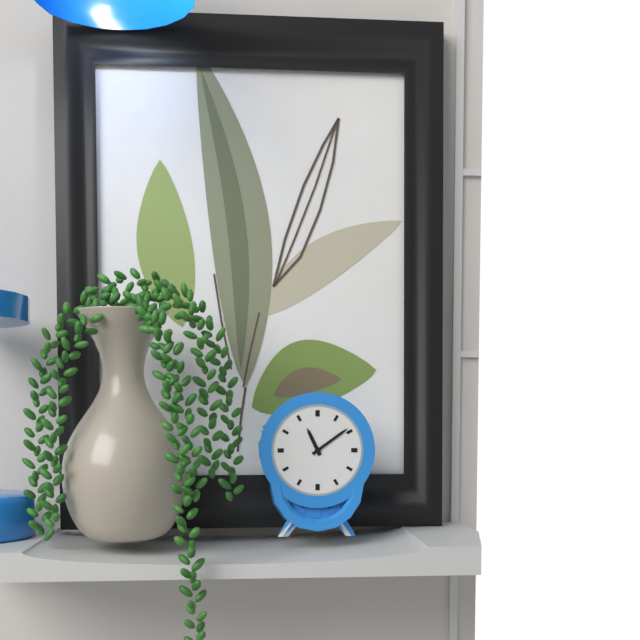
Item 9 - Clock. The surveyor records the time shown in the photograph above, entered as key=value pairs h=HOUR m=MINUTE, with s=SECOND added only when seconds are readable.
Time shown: h=11 m=9
